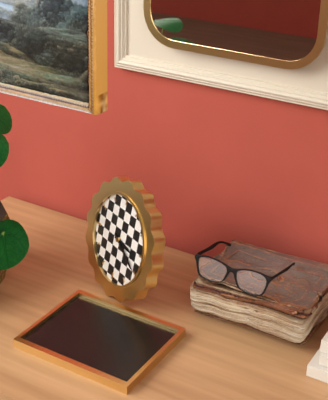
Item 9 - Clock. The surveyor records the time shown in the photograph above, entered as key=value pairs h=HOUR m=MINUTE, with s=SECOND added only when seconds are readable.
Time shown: h=3 m=20
